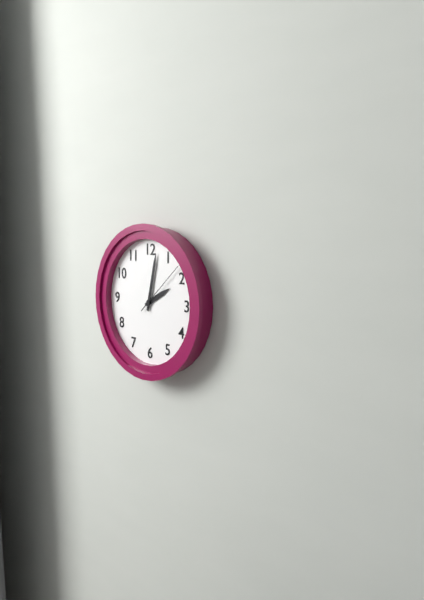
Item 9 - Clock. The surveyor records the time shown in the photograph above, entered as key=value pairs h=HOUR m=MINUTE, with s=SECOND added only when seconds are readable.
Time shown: h=2 m=2 s=8
